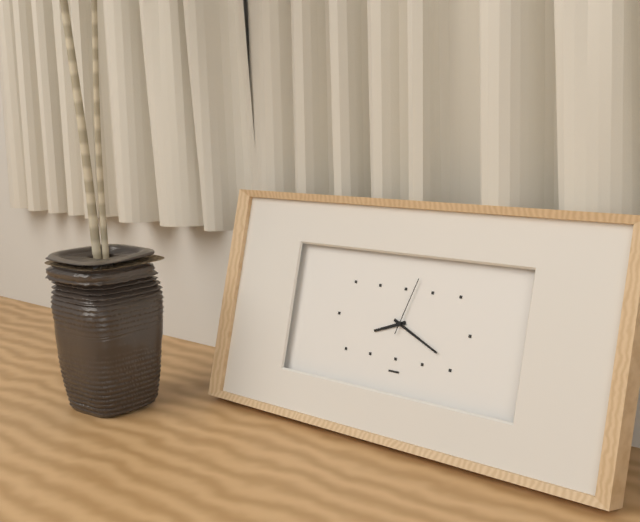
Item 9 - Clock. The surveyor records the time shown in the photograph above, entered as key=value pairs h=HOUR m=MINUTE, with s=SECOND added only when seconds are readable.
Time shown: h=8 m=19 s=3
